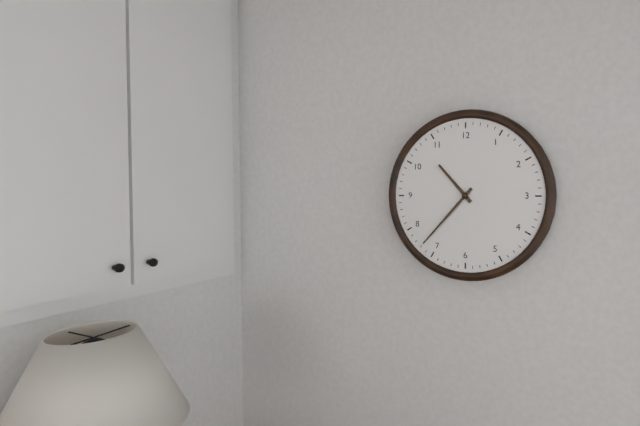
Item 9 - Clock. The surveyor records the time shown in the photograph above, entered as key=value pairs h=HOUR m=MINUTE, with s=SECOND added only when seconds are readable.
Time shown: h=10 m=37
